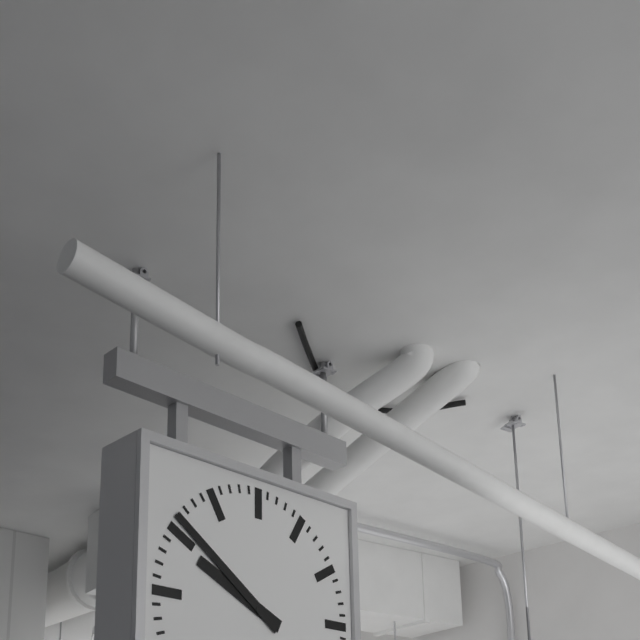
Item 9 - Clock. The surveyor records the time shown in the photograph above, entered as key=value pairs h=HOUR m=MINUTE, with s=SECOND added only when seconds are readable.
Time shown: h=9 m=51
